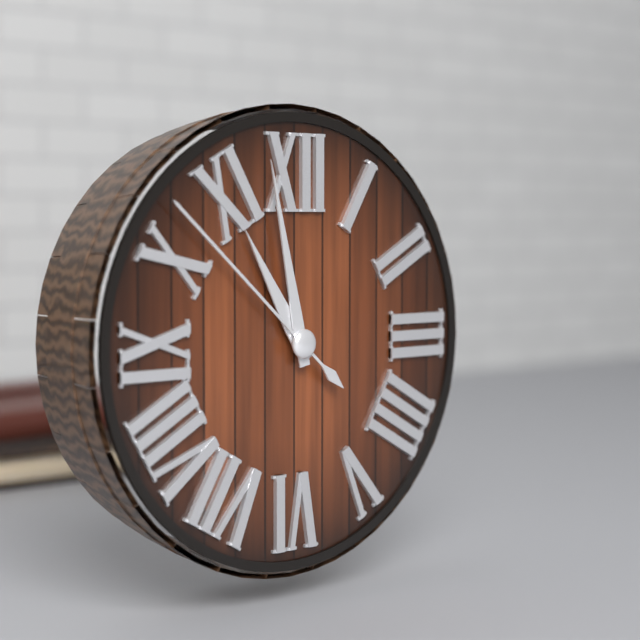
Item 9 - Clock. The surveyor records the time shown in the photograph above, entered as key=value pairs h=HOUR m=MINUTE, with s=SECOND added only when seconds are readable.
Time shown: h=10 m=58 s=52
